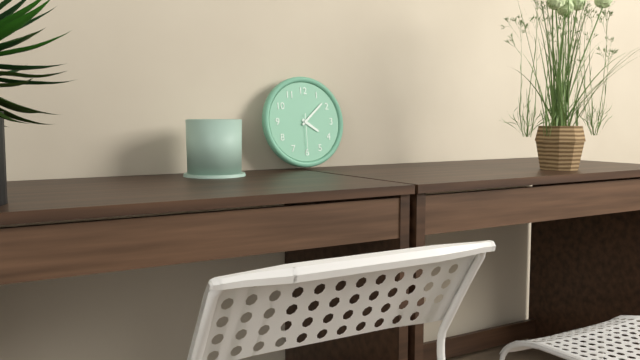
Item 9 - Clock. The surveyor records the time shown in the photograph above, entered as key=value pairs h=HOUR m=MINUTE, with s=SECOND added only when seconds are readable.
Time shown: h=4 m=8
